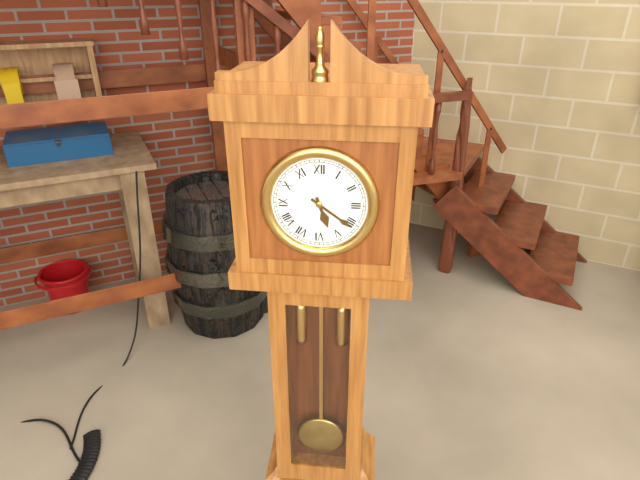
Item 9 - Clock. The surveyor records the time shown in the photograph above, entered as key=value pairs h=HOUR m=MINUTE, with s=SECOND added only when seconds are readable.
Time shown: h=5 m=21
